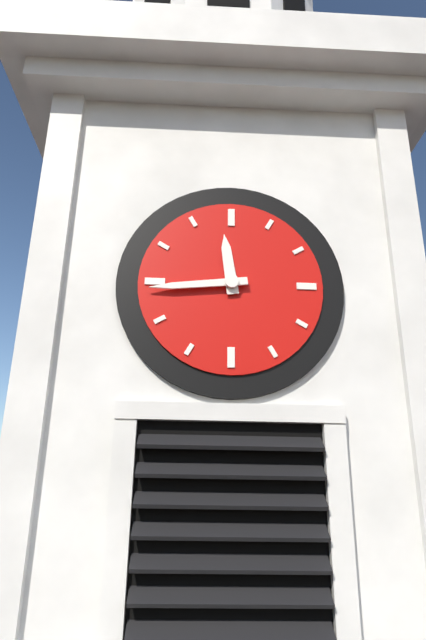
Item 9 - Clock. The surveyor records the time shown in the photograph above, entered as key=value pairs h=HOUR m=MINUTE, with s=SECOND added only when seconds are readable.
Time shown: h=11 m=44
